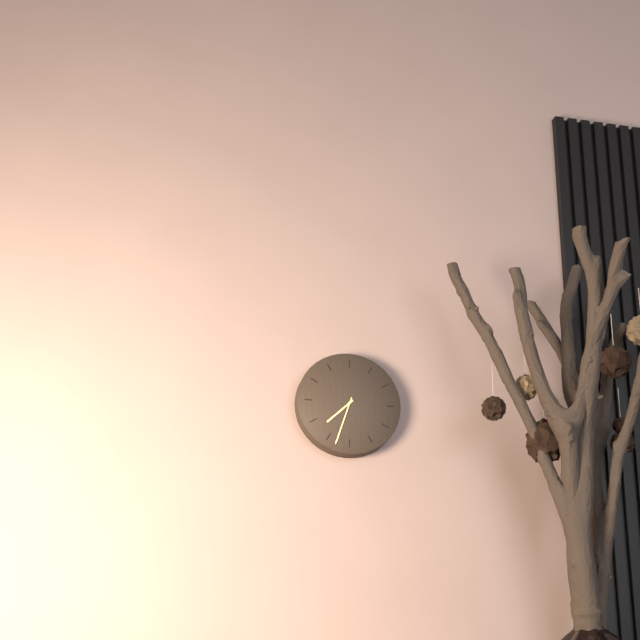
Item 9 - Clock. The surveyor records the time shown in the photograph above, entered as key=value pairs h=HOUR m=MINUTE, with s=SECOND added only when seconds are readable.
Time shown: h=7 m=33
